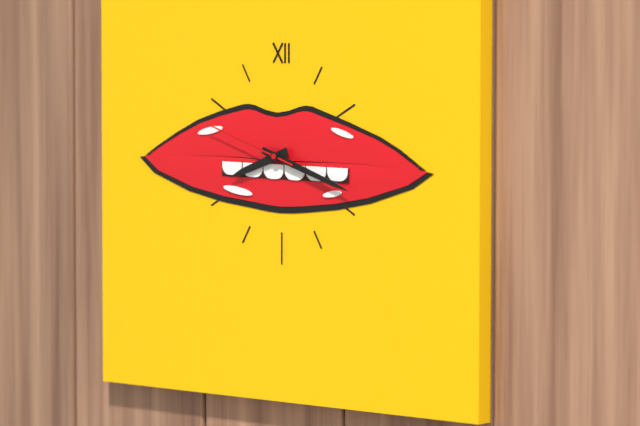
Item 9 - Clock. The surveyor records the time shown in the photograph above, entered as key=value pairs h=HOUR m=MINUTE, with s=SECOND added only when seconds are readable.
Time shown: h=8 m=18 s=48
